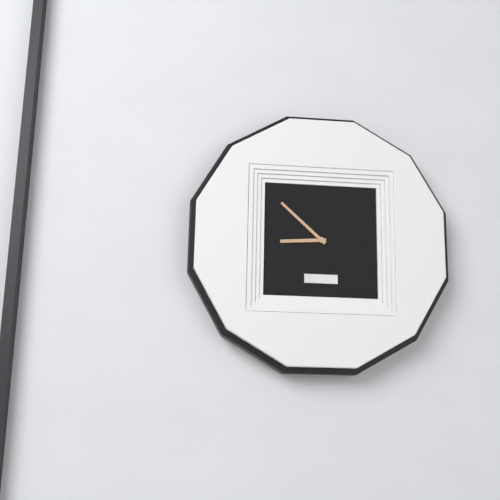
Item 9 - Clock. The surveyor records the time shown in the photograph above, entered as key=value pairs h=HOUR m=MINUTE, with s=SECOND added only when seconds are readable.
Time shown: h=8 m=52
